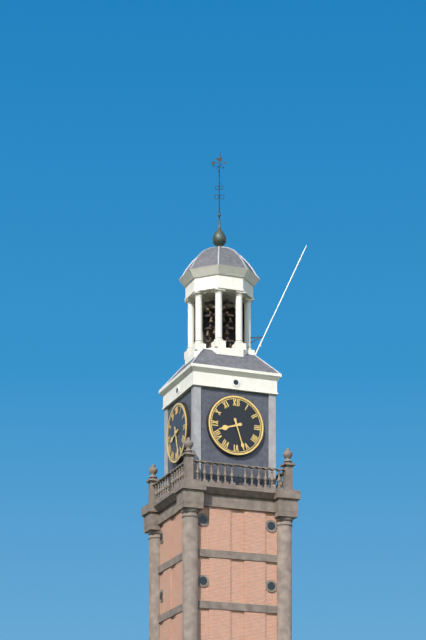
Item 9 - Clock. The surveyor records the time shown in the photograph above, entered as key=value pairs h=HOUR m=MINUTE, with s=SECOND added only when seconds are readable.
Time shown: h=8 m=27
